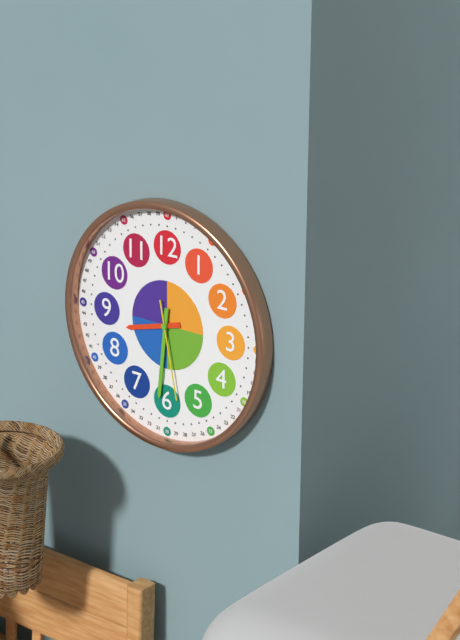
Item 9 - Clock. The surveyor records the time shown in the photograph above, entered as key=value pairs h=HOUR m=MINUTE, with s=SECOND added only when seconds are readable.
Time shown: h=8 m=31 s=28
